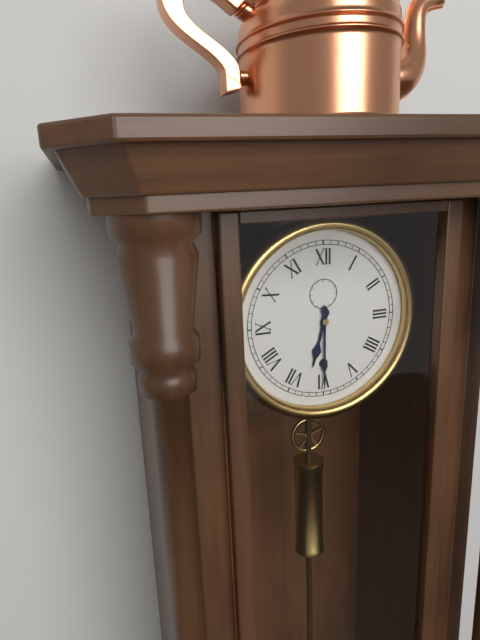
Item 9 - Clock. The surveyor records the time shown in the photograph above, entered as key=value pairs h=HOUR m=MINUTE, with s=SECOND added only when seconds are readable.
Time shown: h=6 m=30
